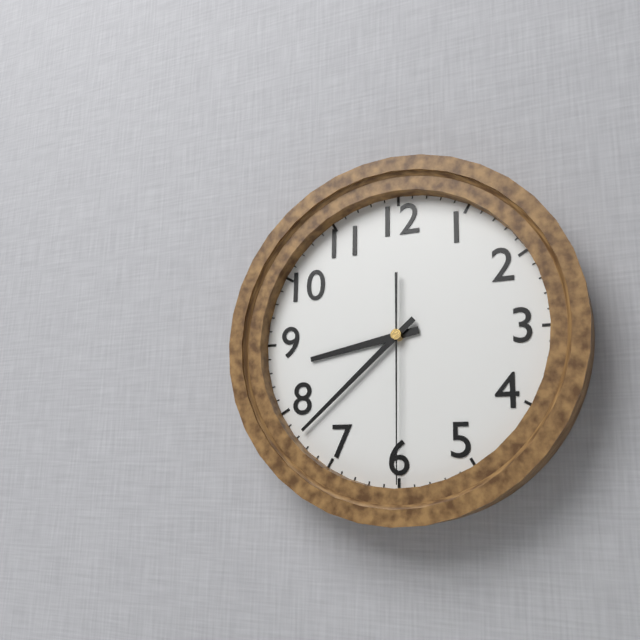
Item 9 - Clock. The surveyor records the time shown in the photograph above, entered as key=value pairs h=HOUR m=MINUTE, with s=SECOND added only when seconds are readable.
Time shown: h=8 m=38 s=30
